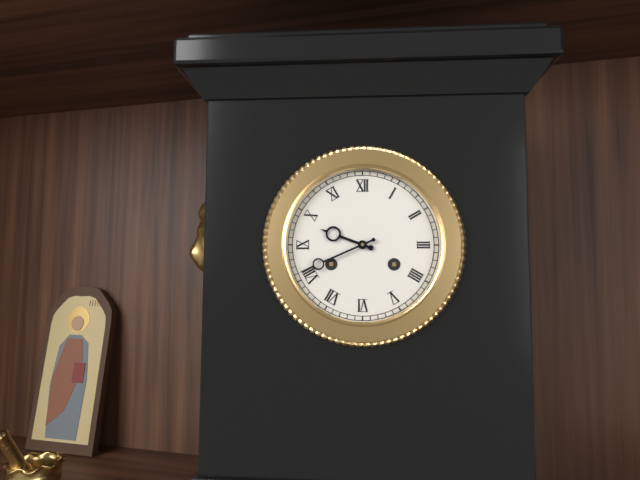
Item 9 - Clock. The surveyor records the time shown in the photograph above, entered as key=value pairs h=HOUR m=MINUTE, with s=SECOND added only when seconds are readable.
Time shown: h=9 m=41
